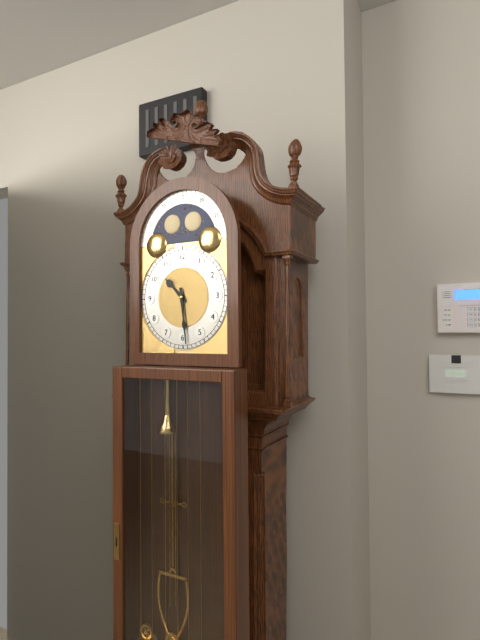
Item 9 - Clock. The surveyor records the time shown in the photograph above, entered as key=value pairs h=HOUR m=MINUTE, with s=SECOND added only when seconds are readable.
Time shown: h=10 m=29
